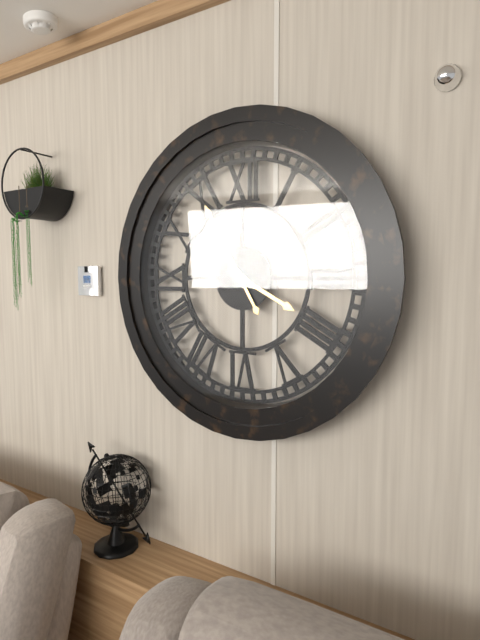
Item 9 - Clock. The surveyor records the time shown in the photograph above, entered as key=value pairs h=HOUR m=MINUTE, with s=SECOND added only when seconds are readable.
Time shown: h=3 m=55
